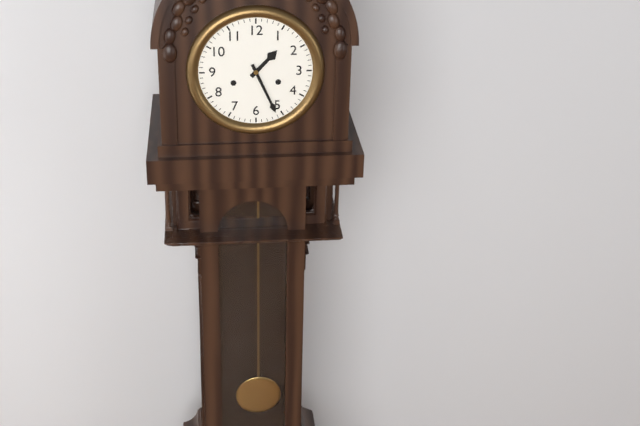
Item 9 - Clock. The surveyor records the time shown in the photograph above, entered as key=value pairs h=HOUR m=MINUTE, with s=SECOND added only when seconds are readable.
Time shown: h=1 m=26
